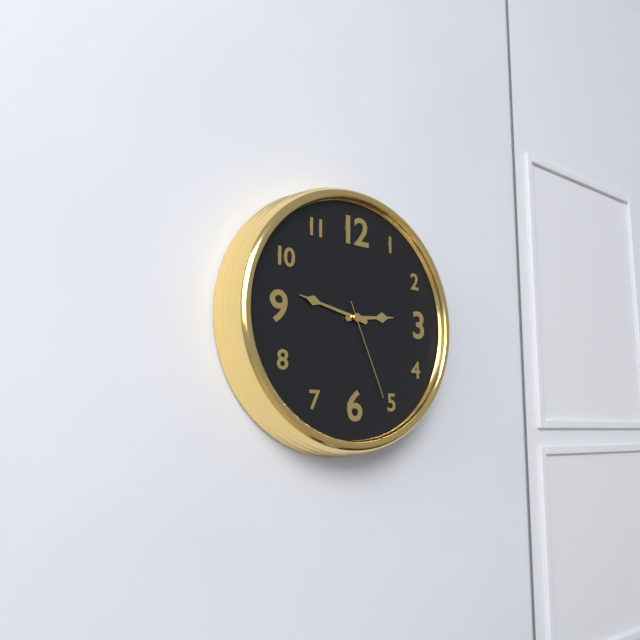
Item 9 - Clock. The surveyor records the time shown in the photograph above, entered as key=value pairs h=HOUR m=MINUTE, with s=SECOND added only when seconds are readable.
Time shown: h=2 m=47 s=26
